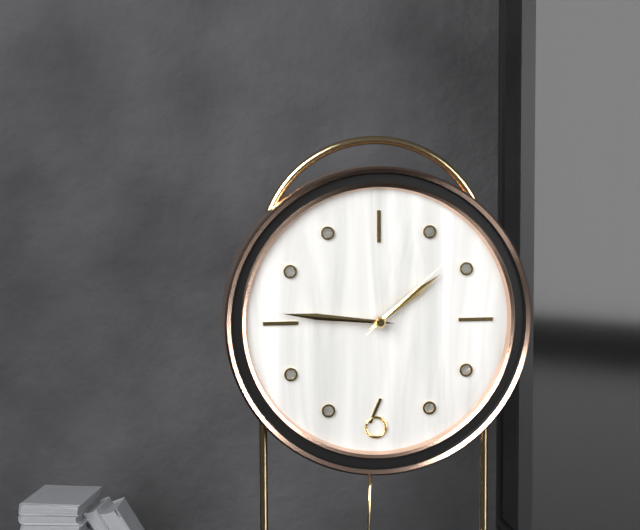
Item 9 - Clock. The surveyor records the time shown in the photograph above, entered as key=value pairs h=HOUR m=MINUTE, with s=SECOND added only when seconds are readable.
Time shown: h=1 m=46 s=8
